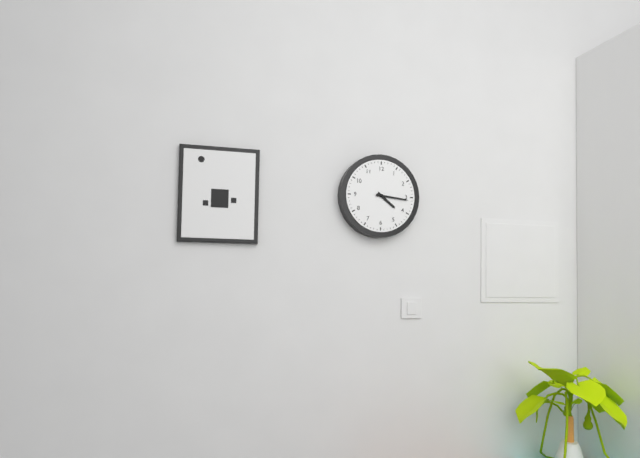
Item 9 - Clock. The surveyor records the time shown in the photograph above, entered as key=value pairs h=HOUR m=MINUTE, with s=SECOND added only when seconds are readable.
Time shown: h=4 m=16
